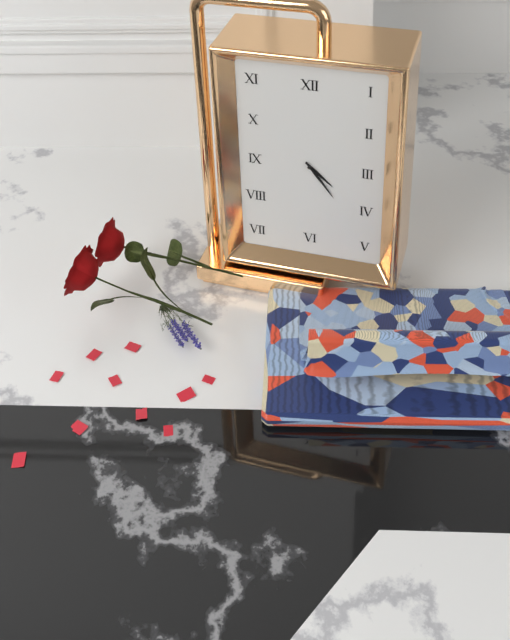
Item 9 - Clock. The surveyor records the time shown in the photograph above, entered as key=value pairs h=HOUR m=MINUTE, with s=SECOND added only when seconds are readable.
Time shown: h=4 m=24
